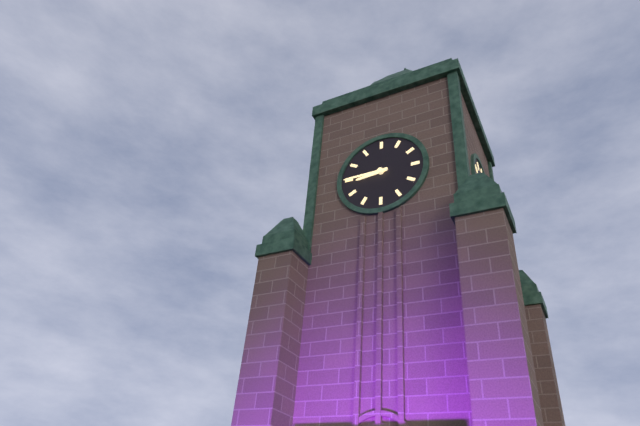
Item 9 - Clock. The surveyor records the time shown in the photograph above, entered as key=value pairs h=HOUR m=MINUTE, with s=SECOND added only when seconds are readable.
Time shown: h=8 m=45
